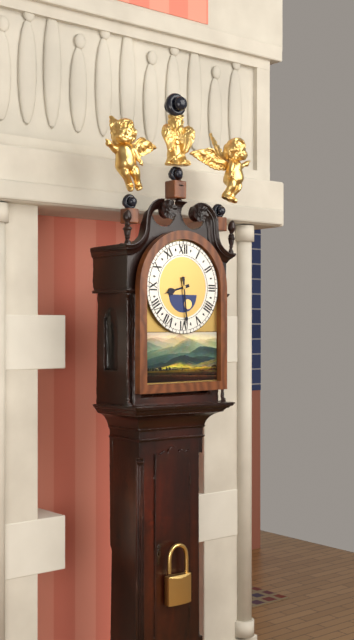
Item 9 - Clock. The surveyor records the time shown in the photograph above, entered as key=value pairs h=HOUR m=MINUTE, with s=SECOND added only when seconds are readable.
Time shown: h=8 m=29
